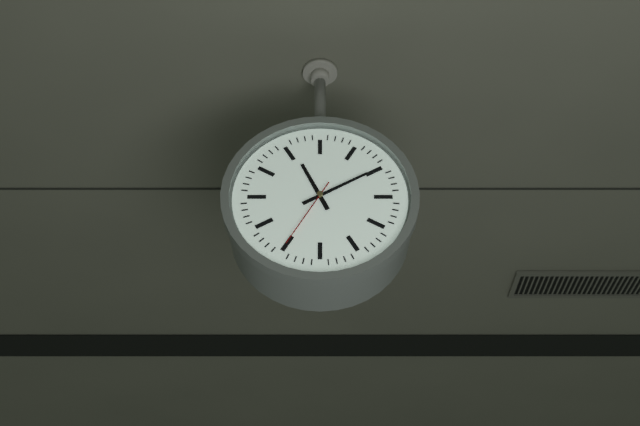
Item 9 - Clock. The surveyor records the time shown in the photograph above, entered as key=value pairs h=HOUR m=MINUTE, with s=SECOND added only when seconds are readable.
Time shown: h=11 m=10 s=35
